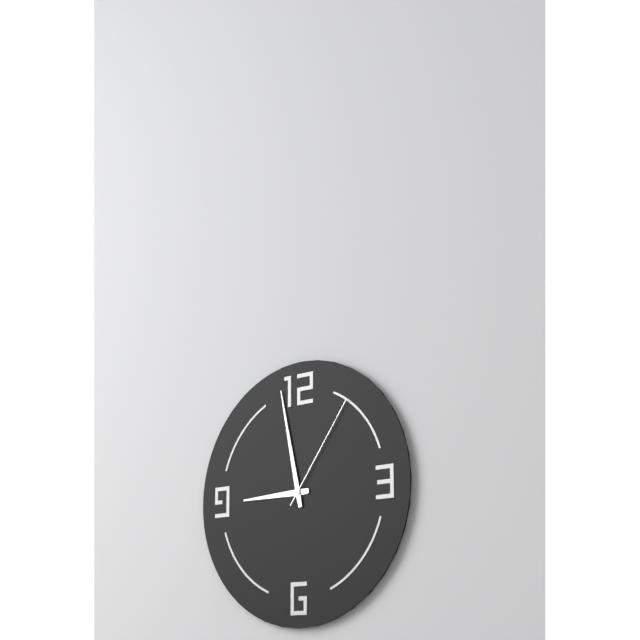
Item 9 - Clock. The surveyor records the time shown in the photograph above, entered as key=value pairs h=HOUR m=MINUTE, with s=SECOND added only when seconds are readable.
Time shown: h=8 m=58 s=6
